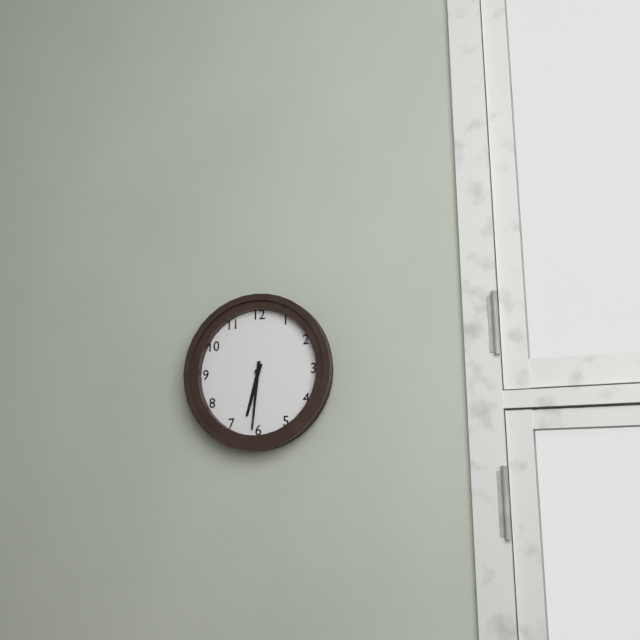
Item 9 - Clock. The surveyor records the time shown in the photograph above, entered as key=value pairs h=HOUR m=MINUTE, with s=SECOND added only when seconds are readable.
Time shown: h=6 m=31
